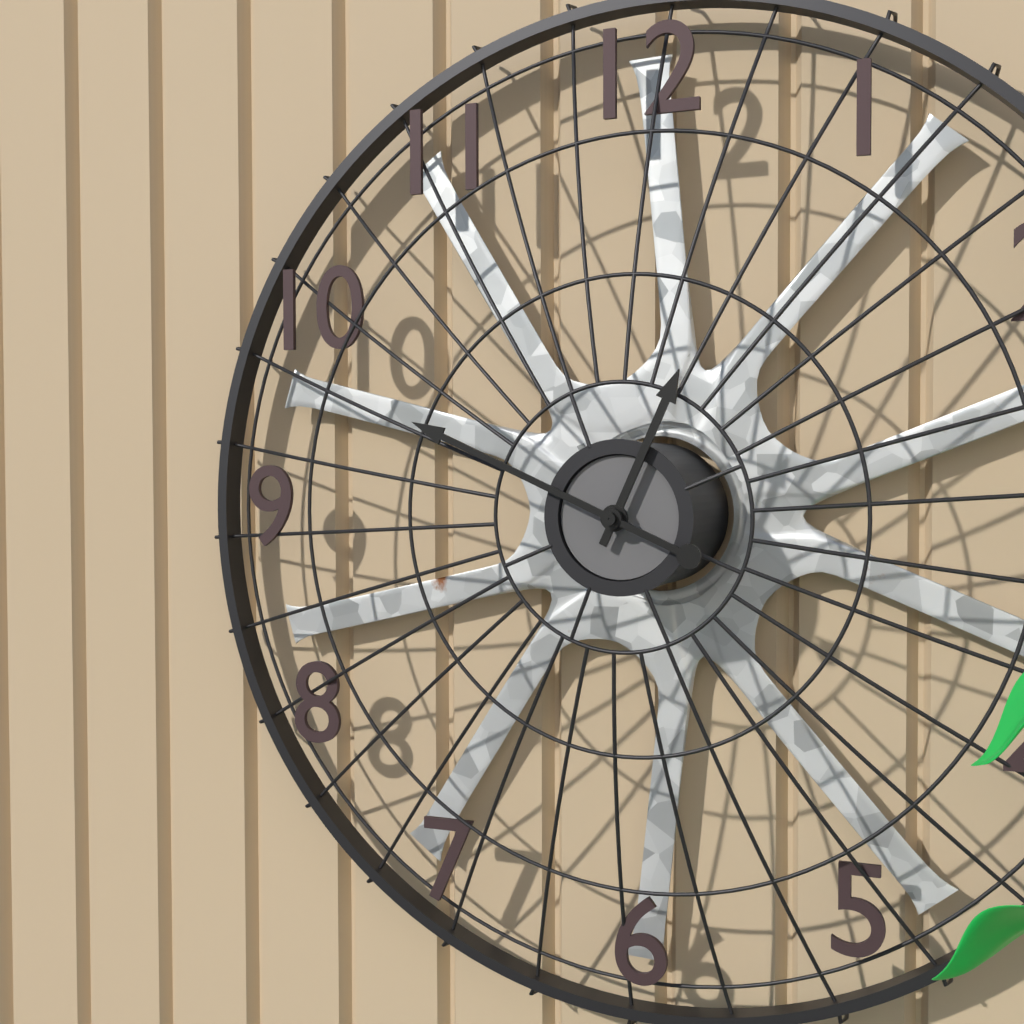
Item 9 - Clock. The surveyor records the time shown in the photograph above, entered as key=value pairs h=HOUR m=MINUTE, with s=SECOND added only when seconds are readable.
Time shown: h=12 m=49
